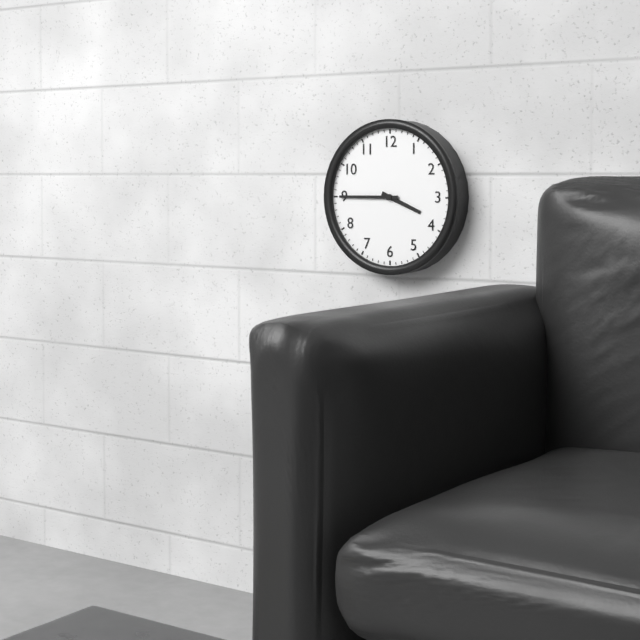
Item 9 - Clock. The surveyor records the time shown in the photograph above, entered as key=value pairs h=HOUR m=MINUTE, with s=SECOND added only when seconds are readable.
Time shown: h=3 m=45
